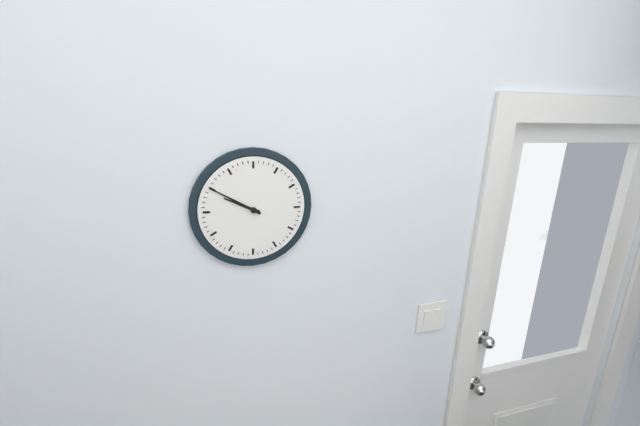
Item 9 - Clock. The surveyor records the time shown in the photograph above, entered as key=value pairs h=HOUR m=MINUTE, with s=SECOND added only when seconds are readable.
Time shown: h=9 m=50
